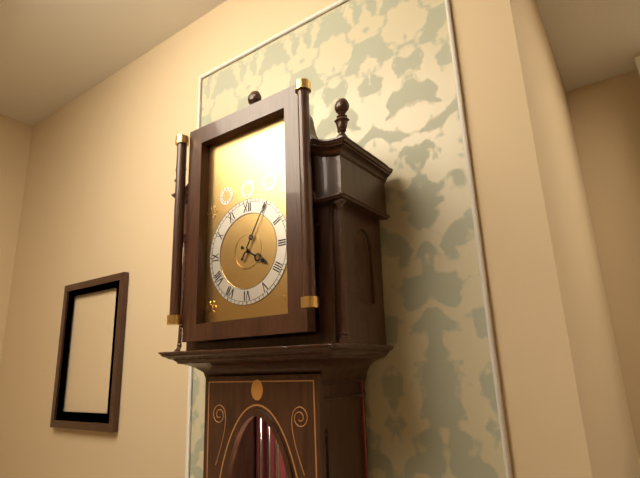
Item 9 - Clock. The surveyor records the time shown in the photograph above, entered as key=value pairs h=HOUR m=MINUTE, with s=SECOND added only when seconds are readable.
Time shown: h=4 m=5
